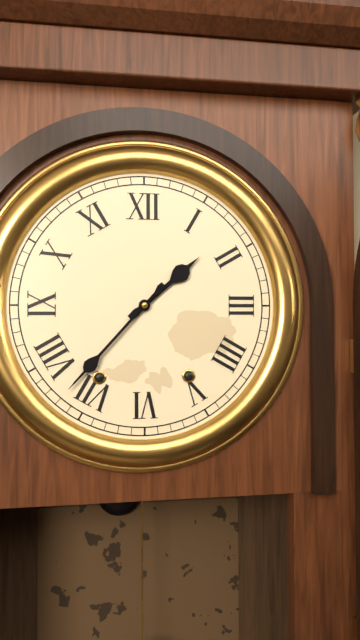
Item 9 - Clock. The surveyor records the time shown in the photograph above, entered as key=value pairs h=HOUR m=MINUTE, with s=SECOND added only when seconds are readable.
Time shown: h=1 m=37
